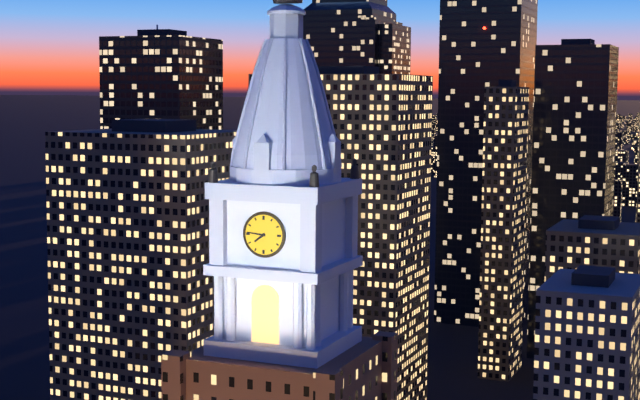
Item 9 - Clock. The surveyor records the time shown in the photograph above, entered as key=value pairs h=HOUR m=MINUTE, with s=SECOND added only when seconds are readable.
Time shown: h=7 m=46
